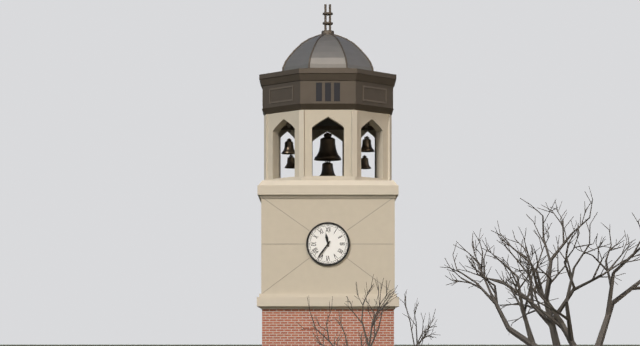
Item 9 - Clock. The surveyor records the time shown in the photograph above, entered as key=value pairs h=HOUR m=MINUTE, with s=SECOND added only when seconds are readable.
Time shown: h=11 m=36
